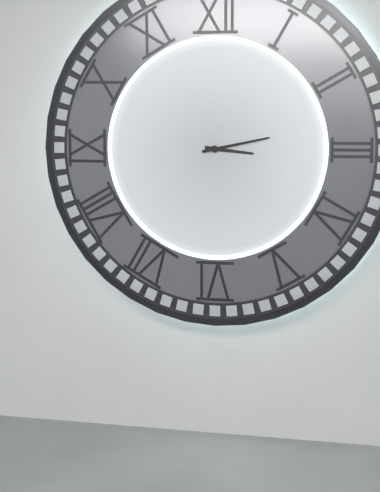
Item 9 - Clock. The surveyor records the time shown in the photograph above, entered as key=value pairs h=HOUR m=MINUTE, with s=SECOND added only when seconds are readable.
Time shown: h=3 m=13
